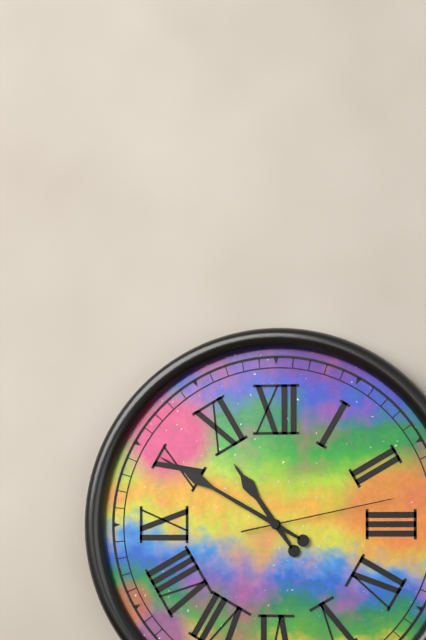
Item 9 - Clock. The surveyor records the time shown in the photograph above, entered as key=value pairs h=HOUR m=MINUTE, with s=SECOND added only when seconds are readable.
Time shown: h=10 m=50 s=13
